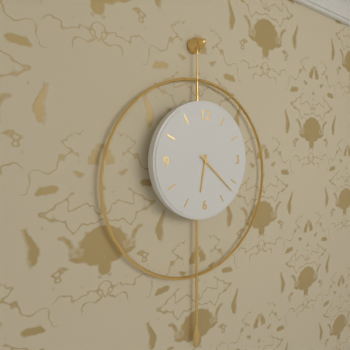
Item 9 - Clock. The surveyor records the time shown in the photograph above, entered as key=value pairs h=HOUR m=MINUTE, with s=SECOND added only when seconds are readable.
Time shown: h=6 m=22
